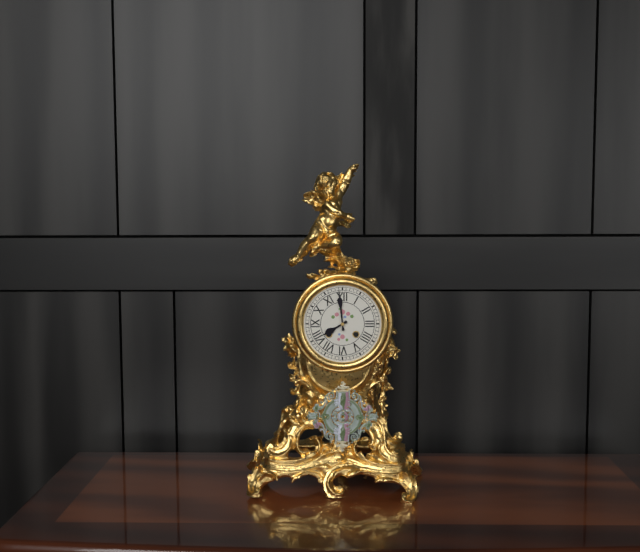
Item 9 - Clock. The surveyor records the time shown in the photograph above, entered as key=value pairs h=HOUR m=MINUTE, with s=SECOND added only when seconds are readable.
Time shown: h=7 m=59
